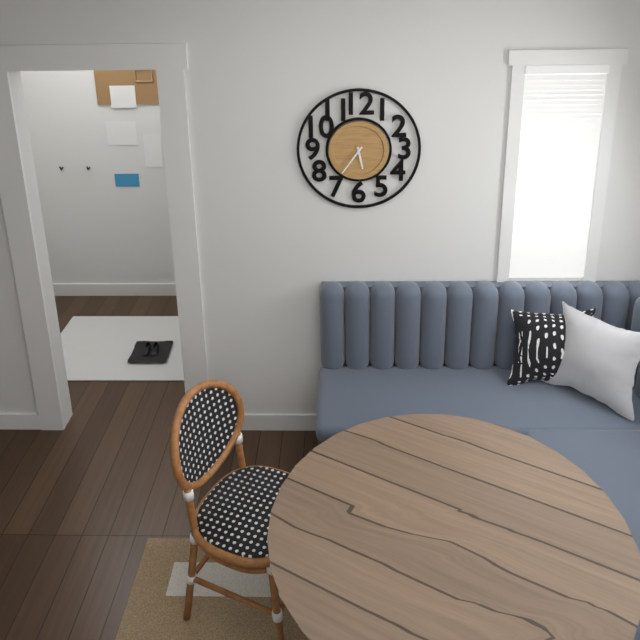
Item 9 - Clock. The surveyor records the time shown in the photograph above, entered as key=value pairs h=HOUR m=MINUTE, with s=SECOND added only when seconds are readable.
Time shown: h=5 m=36
